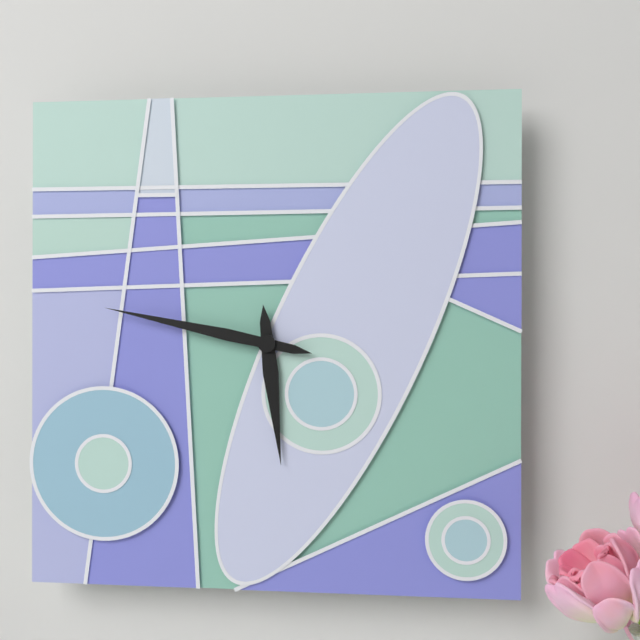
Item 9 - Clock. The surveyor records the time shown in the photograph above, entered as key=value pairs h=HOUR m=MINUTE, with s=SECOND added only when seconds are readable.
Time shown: h=5 m=47
